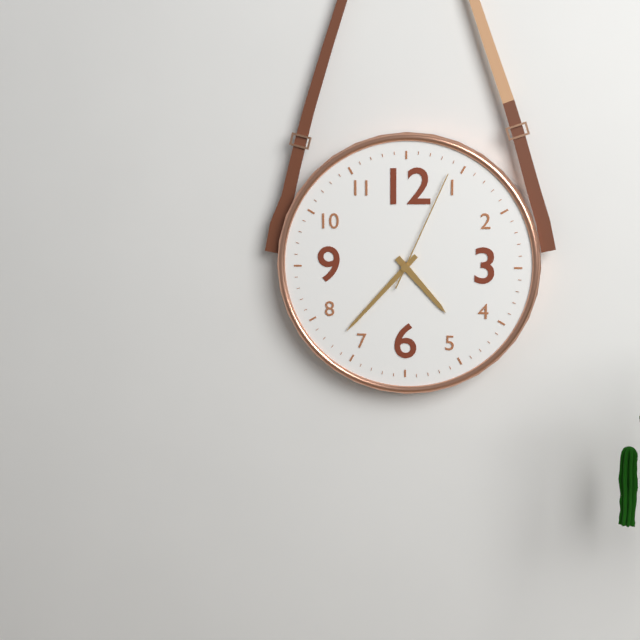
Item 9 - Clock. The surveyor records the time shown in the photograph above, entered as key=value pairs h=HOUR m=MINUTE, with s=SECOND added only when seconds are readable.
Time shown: h=4 m=37 s=4
